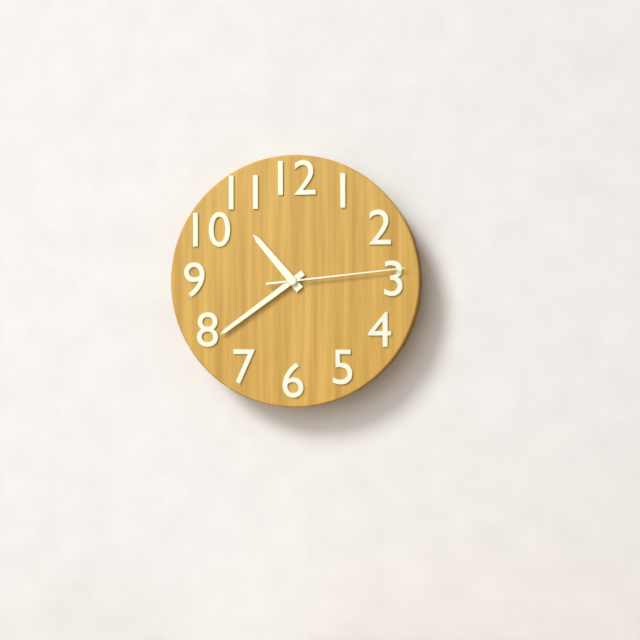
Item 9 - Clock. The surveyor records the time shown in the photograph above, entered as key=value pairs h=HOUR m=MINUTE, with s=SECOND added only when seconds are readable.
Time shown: h=10 m=39 s=14
